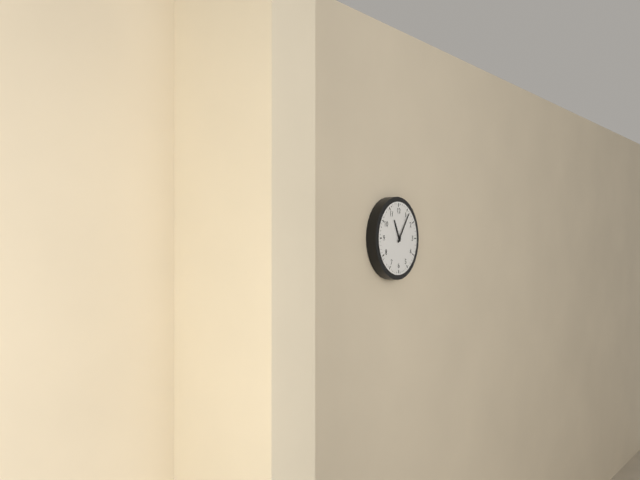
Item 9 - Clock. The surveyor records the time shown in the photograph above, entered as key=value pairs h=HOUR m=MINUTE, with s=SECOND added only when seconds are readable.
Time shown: h=11 m=6
